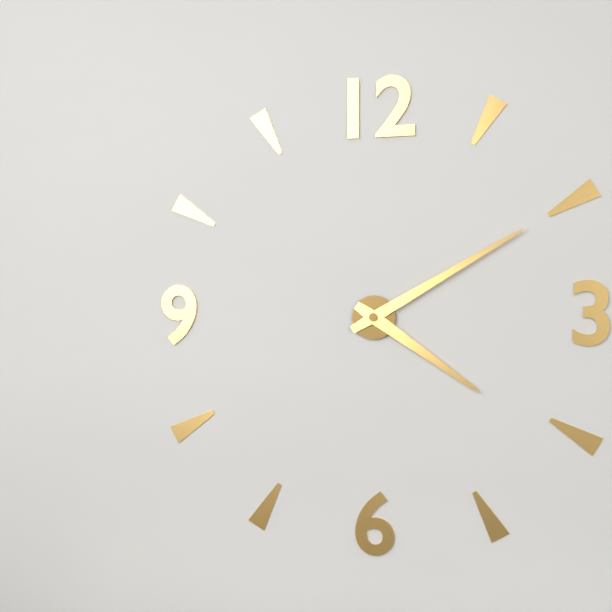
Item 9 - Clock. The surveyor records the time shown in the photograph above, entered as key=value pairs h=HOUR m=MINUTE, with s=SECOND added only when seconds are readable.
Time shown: h=4 m=10
